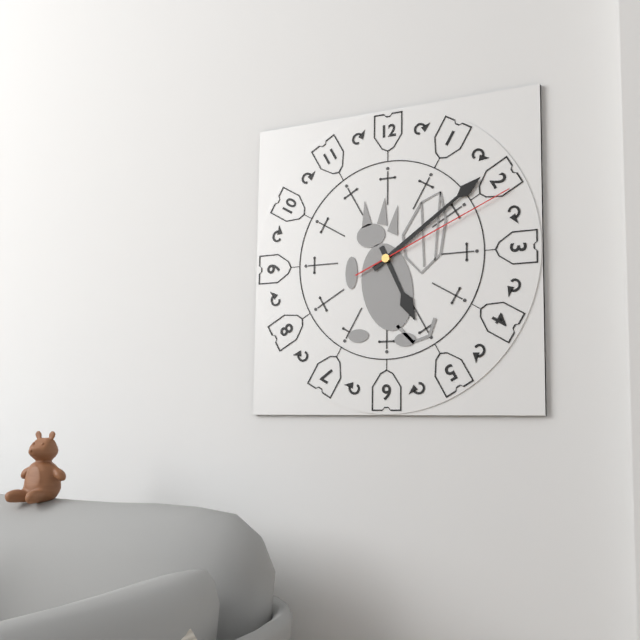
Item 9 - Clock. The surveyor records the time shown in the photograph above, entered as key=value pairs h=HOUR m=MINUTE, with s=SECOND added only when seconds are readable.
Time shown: h=5 m=9 s=11
